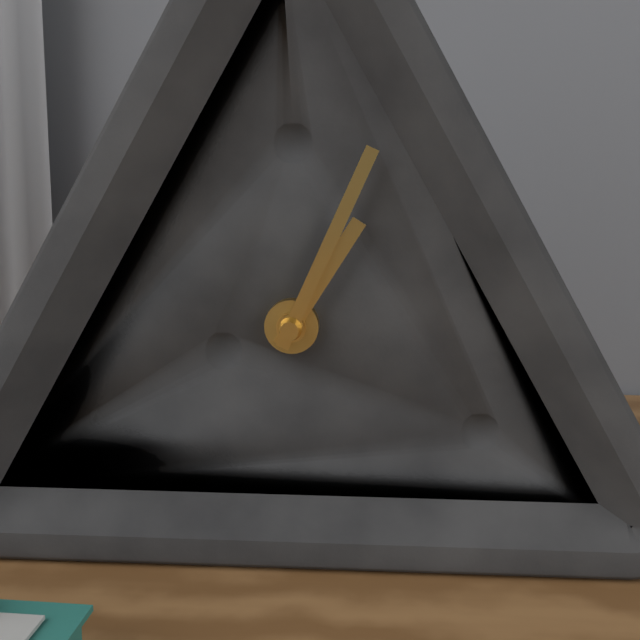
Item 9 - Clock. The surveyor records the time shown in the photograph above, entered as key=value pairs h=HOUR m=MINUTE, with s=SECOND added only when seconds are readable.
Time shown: h=1 m=4
